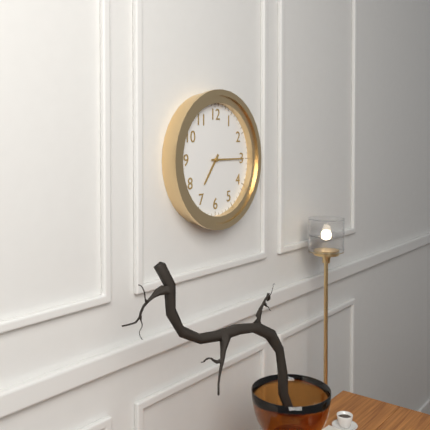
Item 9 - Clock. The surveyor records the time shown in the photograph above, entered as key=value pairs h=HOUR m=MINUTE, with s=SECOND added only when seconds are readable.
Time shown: h=7 m=15
